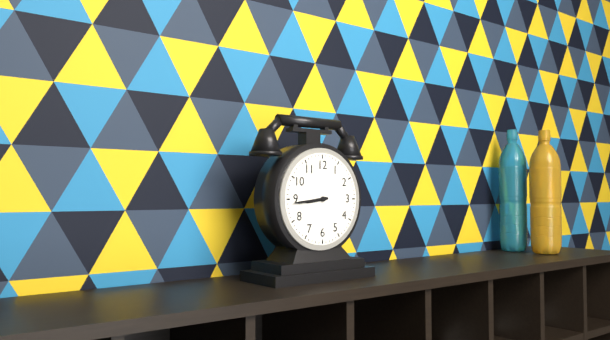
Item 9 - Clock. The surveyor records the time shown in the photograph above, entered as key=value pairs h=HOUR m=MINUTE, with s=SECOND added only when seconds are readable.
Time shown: h=8 m=44
